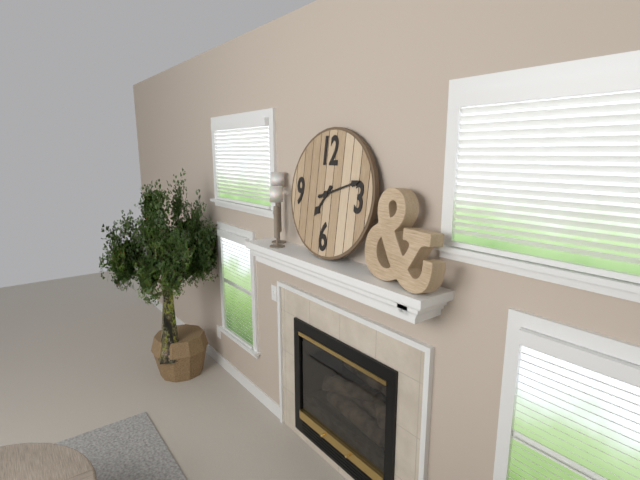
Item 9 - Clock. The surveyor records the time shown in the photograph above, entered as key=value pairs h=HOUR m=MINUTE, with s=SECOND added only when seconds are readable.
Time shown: h=7 m=12
